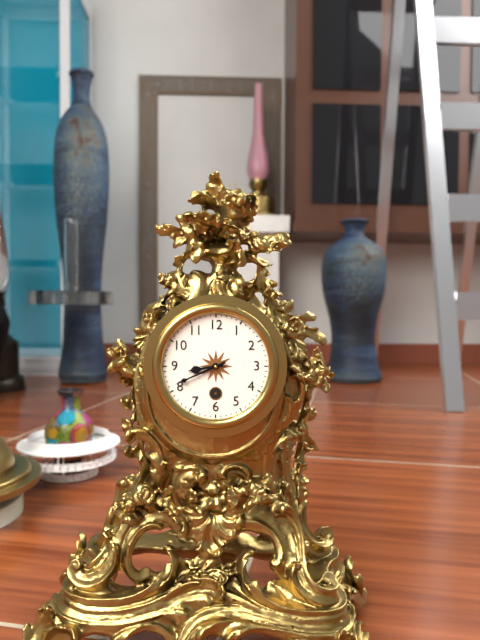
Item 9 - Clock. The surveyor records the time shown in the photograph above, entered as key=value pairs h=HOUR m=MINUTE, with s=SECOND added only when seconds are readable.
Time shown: h=8 m=41
